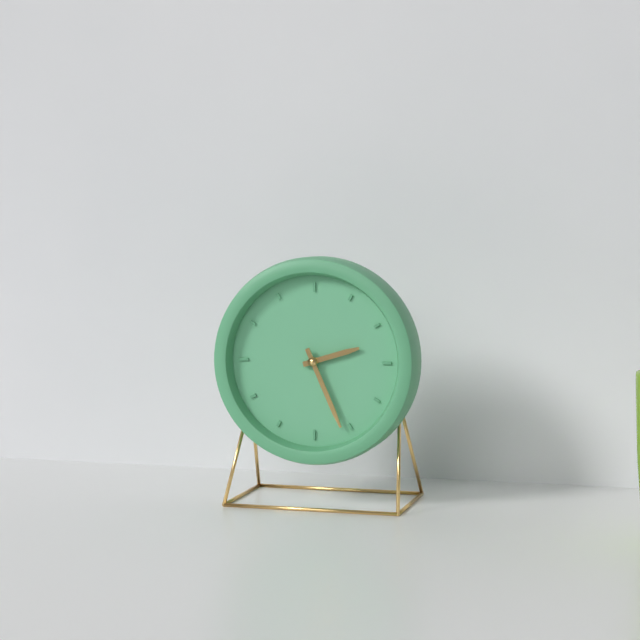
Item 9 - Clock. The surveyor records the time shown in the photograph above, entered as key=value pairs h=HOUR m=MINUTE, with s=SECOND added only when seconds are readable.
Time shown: h=2 m=26
